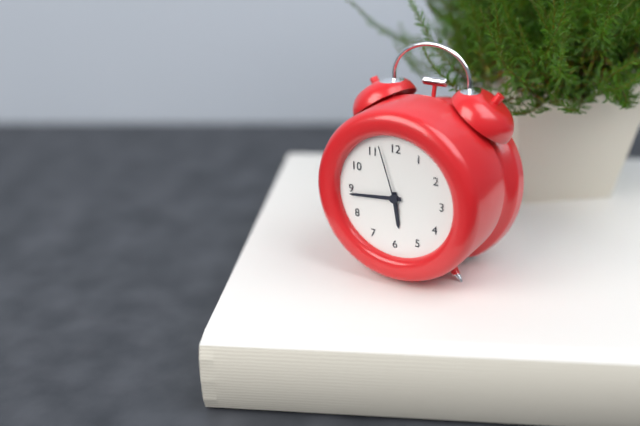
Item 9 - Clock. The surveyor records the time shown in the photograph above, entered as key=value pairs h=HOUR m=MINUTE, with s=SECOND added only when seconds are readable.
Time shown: h=5 m=44 s=57
